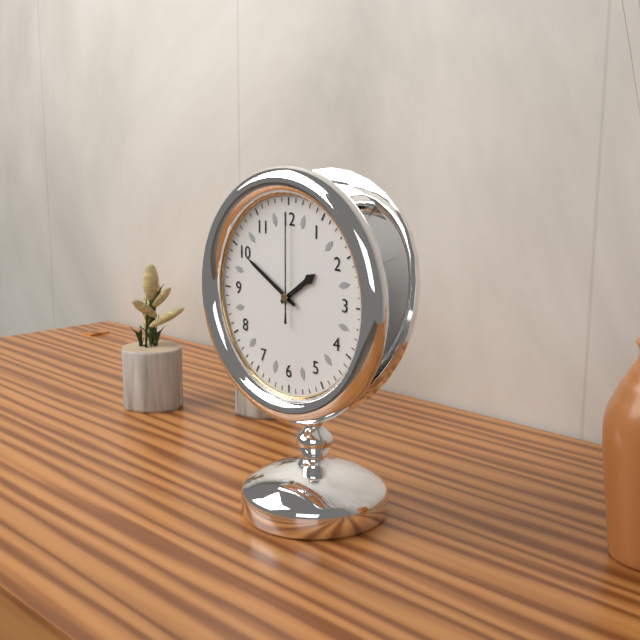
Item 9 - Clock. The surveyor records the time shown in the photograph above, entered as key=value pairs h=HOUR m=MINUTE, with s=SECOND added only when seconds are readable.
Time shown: h=1 m=50 s=0
